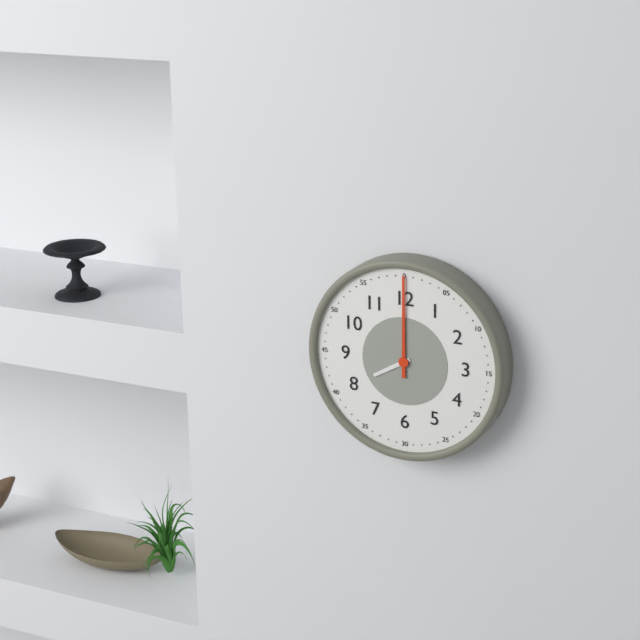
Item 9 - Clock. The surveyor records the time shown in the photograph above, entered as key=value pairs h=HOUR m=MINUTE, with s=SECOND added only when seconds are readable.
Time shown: h=8 m=0
